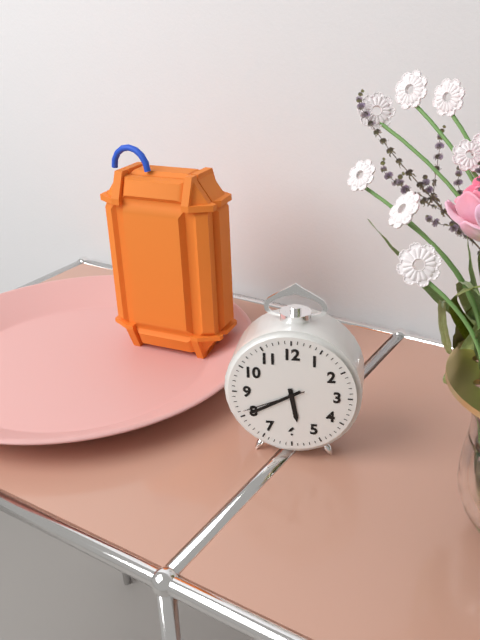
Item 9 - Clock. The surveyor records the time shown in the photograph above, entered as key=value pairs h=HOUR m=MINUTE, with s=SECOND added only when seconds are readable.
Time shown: h=5 m=40 s=41
